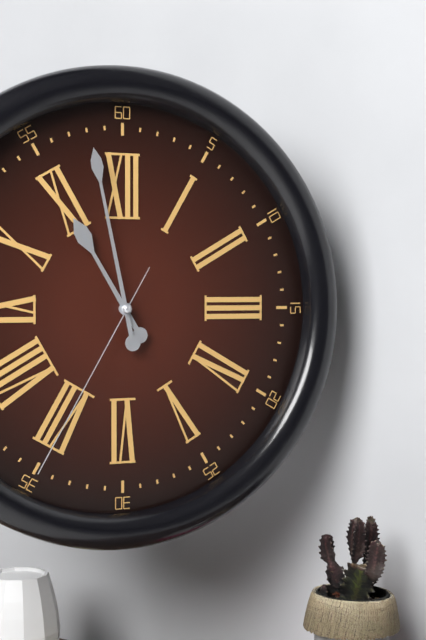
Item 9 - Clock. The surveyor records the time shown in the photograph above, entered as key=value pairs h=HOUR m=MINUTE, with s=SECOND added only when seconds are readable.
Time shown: h=10 m=58 s=35
